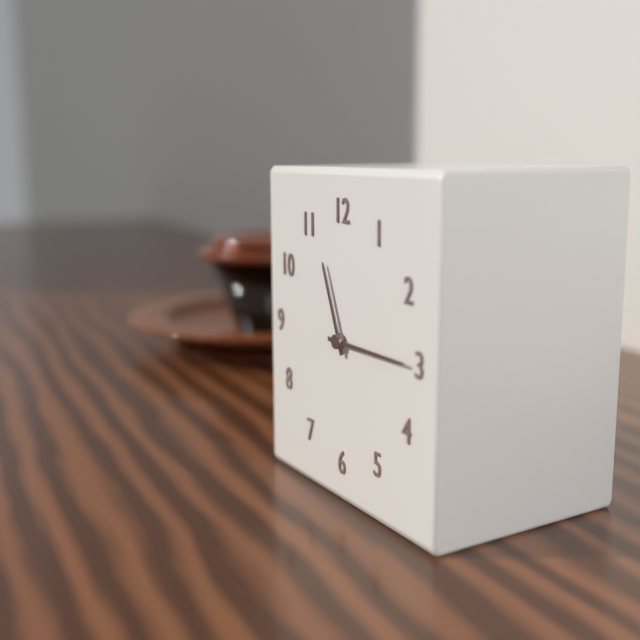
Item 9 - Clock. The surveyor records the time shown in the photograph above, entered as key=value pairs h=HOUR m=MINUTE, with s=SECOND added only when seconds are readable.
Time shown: h=11 m=15
